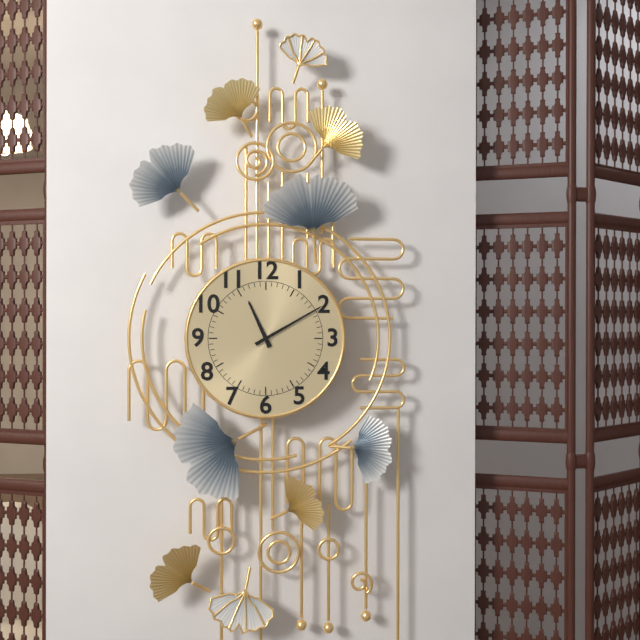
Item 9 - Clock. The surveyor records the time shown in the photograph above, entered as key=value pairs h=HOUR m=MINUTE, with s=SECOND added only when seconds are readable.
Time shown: h=11 m=10
